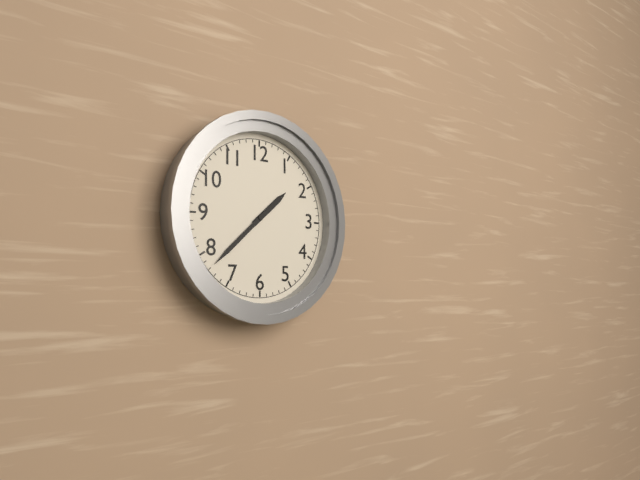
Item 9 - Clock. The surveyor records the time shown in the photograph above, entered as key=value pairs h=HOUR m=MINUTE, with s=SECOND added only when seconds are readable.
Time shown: h=1 m=38
